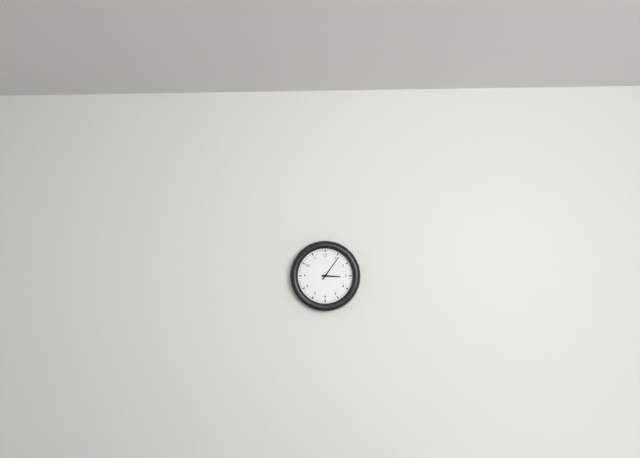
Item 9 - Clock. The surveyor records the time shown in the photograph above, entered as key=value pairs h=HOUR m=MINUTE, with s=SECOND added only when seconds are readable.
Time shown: h=3 m=6
